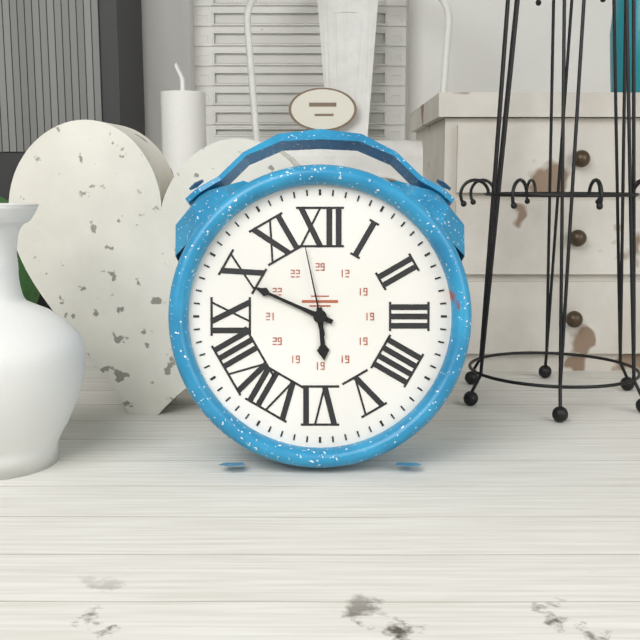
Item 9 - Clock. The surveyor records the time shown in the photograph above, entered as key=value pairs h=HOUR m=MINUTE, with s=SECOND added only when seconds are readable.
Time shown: h=5 m=49 s=58
